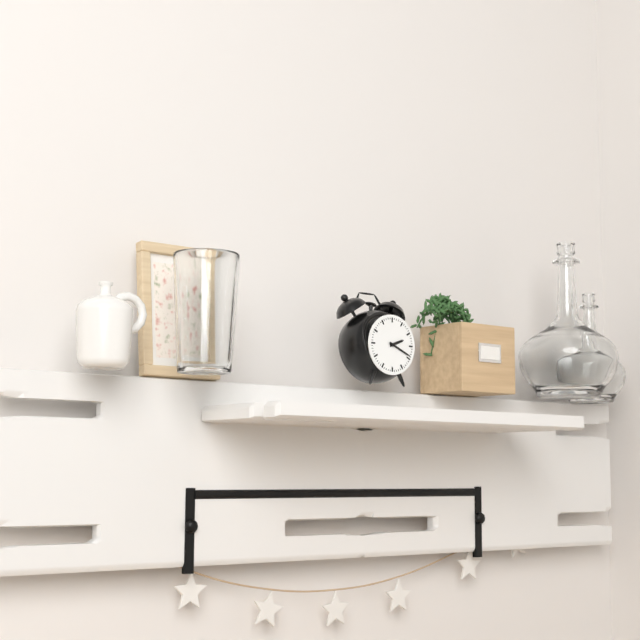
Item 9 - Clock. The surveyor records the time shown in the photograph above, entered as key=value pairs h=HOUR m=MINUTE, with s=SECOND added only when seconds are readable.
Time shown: h=2 m=19
